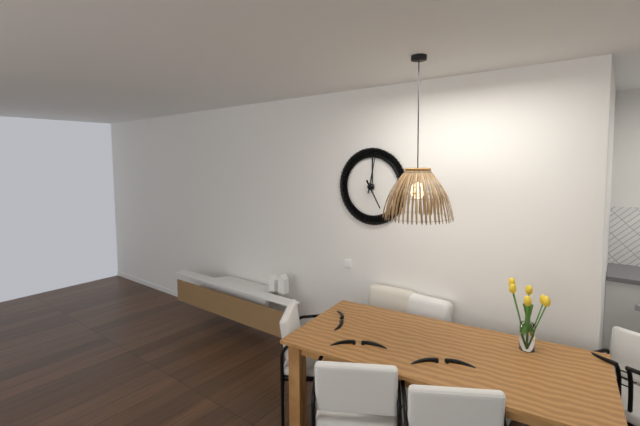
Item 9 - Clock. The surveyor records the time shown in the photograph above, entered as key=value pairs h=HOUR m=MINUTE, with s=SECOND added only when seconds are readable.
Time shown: h=5 m=2
